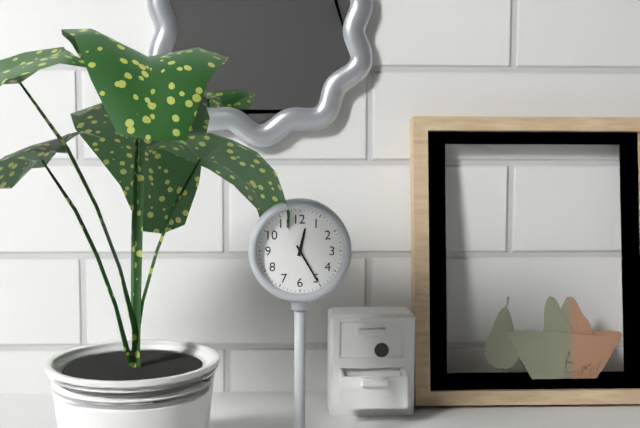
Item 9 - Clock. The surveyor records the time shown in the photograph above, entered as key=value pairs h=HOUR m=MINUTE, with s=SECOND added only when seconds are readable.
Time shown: h=12 m=25
